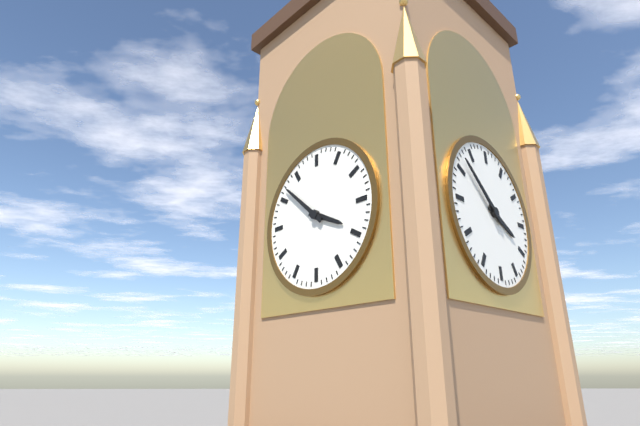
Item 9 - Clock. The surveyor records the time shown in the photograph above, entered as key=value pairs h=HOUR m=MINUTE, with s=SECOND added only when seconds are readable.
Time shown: h=3 m=52
